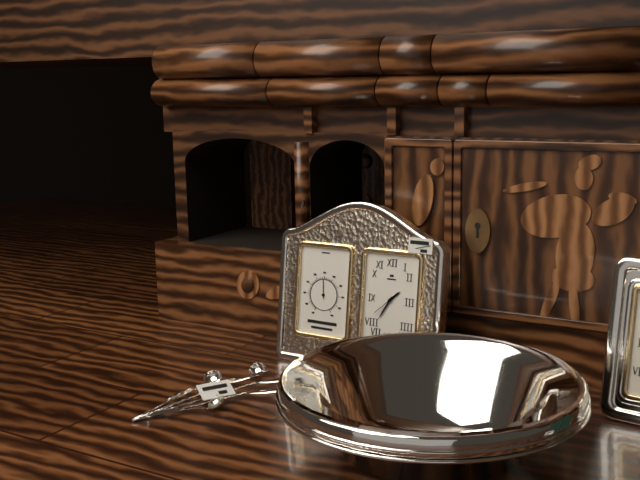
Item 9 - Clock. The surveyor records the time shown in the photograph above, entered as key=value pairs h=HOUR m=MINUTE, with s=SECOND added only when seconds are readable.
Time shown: h=1 m=35
